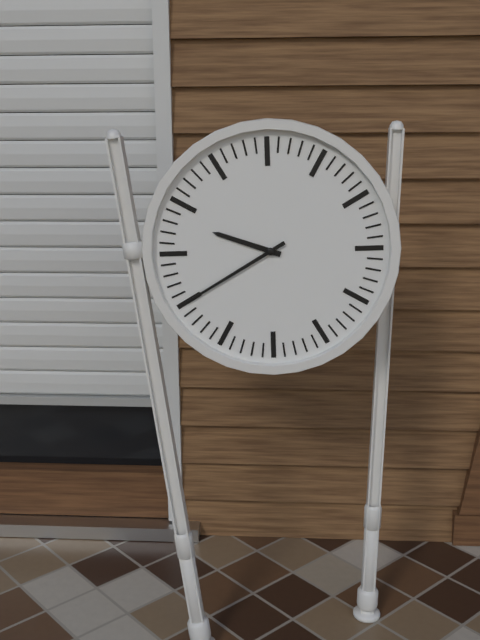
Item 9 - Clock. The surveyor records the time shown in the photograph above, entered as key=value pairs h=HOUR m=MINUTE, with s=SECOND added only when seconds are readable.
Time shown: h=9 m=40
